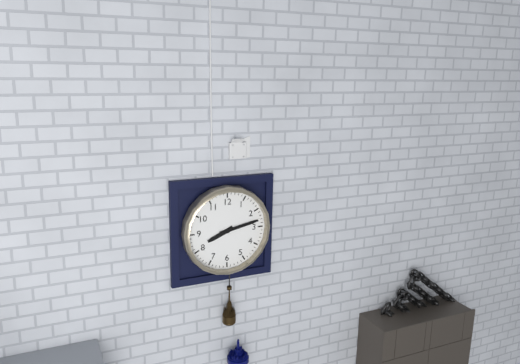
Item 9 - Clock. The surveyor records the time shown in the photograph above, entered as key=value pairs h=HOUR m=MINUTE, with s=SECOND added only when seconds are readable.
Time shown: h=8 m=13
